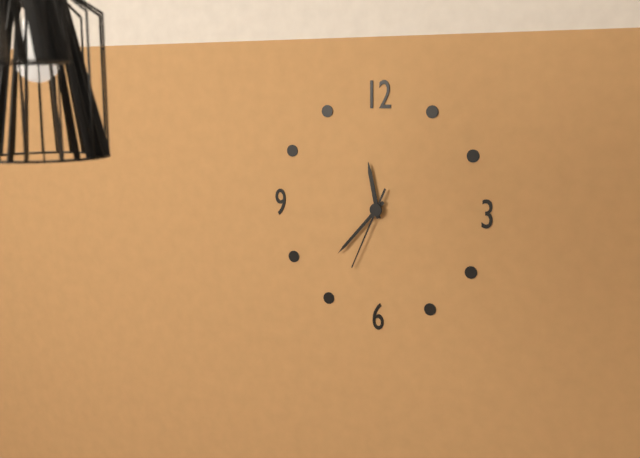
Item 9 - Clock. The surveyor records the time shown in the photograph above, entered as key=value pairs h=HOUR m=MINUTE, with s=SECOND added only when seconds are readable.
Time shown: h=11 m=37 s=34
